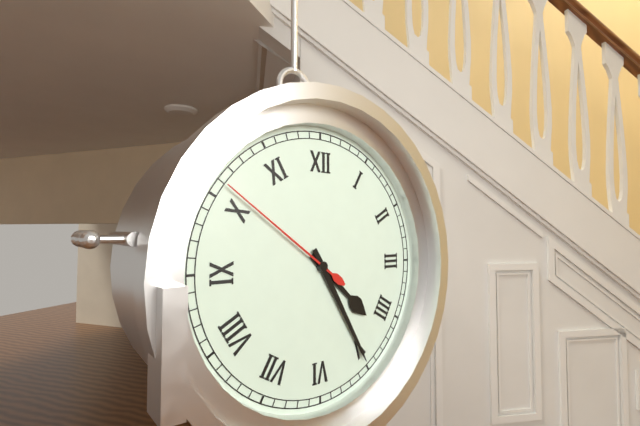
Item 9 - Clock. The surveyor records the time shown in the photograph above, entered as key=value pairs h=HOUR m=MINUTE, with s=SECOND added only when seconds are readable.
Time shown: h=4 m=25 s=51
